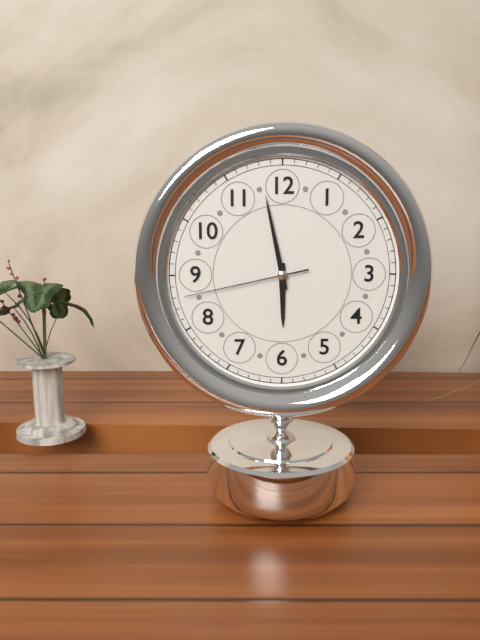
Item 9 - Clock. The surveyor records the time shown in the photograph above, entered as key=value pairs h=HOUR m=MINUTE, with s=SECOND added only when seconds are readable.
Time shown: h=5 m=58 s=43
